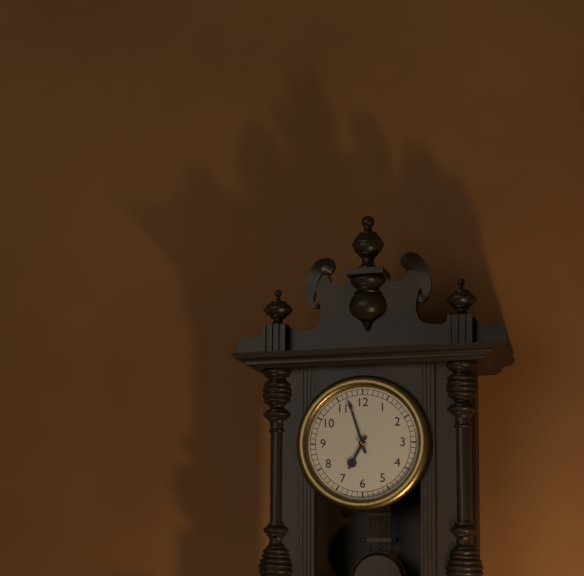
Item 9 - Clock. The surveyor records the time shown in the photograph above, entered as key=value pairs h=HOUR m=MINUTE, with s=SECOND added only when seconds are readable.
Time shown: h=6 m=57
